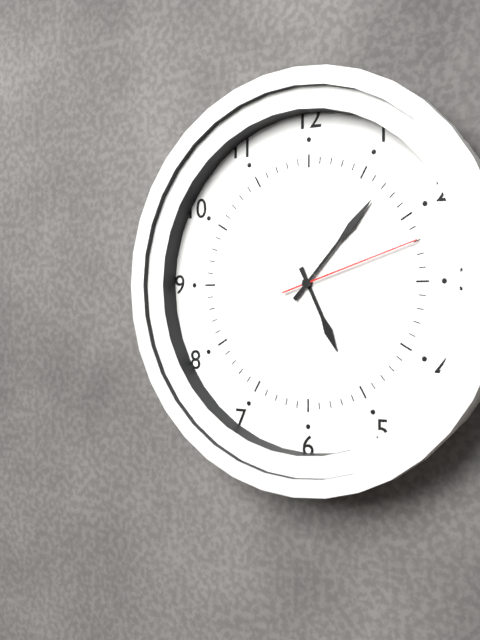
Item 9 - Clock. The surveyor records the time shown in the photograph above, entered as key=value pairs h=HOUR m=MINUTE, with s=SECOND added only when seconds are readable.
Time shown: h=5 m=7 s=12
